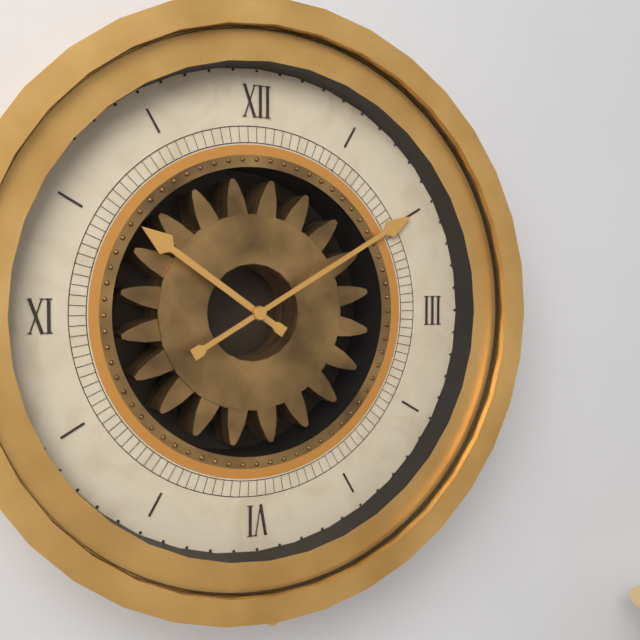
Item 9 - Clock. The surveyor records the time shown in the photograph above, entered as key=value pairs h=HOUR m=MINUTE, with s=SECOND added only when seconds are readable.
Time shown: h=10 m=10
